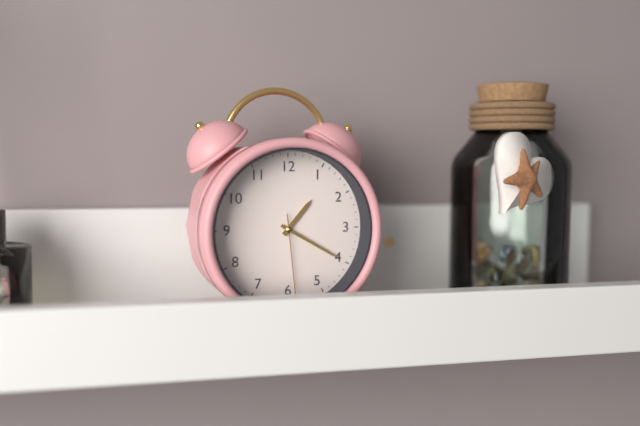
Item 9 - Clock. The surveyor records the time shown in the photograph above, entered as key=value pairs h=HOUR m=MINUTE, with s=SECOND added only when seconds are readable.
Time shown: h=1 m=20 s=29
